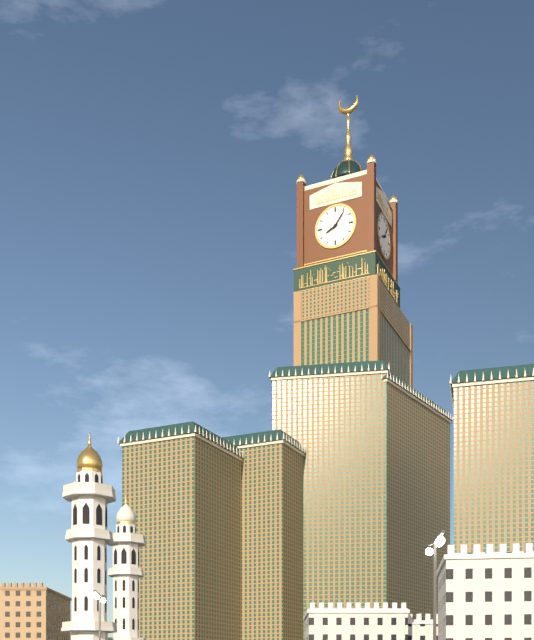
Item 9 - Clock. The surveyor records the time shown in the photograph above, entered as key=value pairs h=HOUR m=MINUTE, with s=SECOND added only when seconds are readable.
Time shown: h=8 m=6
